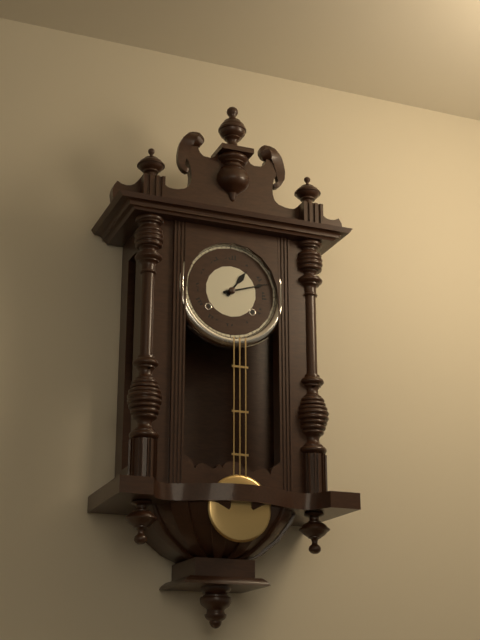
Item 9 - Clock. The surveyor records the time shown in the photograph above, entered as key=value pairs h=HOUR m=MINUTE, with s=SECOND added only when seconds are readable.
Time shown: h=1 m=12
